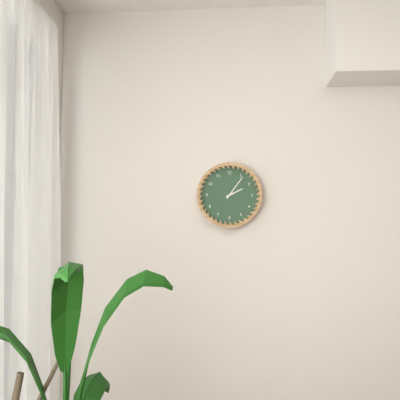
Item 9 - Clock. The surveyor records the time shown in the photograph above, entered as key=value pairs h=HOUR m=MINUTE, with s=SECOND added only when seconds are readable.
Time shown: h=2 m=6
